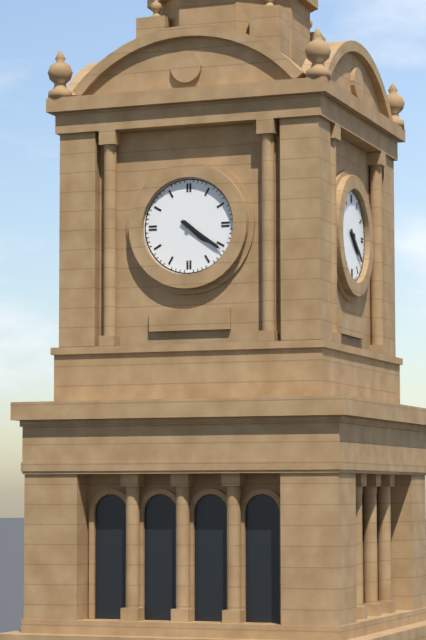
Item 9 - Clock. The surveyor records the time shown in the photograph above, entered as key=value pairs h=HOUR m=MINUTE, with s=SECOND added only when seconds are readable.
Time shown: h=4 m=21
